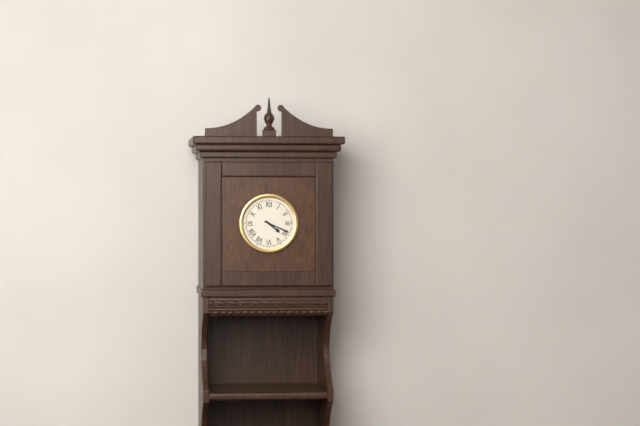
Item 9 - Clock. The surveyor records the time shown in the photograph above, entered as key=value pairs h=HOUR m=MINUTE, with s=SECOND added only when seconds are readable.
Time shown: h=4 m=19
